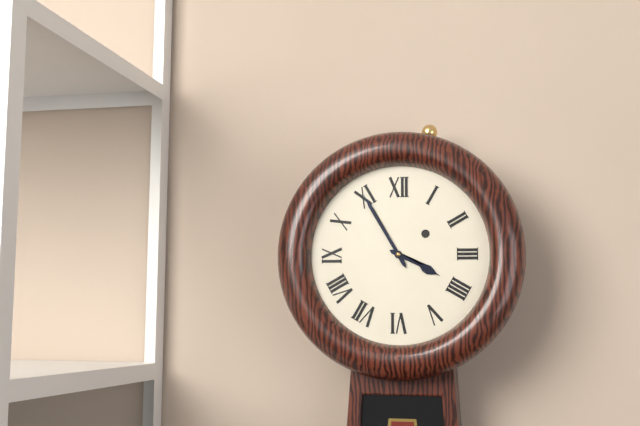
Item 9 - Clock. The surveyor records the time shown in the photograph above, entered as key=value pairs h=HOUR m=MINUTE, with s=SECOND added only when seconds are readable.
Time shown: h=3 m=55
